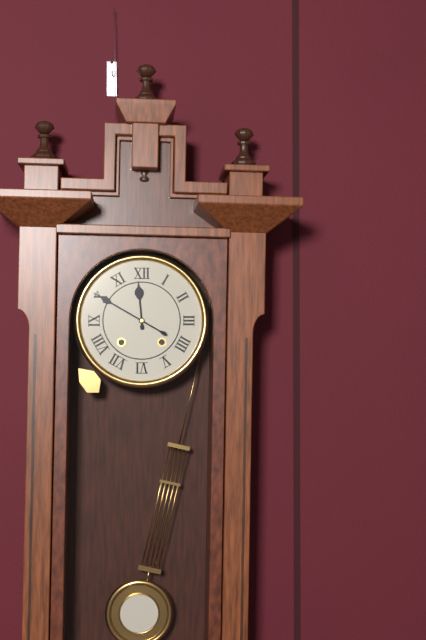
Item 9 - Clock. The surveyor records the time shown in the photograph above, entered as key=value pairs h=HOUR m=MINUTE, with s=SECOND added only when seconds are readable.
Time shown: h=11 m=50
